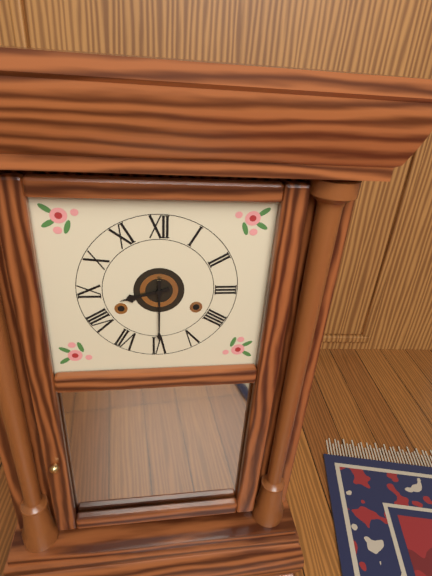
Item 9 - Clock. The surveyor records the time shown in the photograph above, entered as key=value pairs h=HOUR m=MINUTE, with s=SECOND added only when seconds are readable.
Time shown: h=8 m=30
